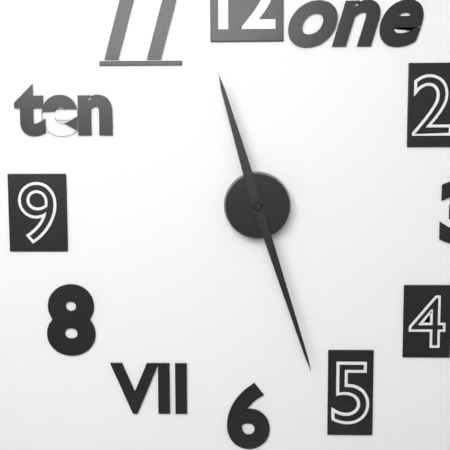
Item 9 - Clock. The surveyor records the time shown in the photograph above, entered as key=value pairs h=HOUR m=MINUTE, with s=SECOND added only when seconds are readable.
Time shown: h=11 m=27
